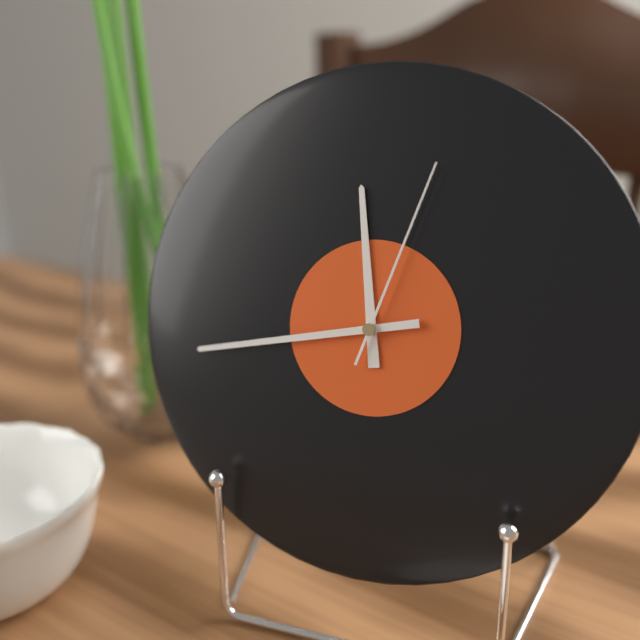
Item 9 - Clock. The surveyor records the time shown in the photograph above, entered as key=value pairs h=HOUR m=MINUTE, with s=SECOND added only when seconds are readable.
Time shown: h=11 m=43 s=3
